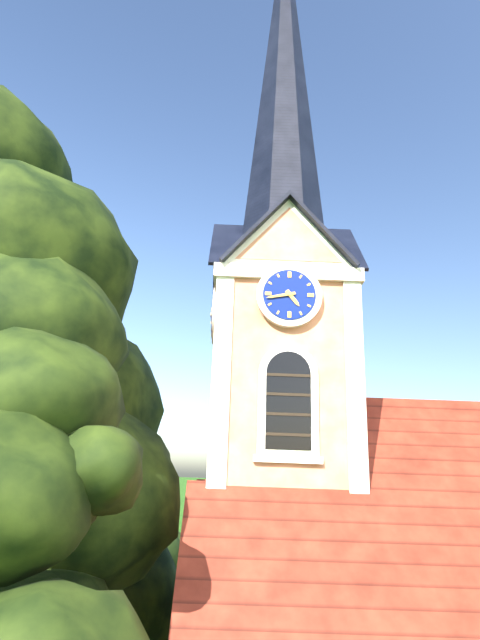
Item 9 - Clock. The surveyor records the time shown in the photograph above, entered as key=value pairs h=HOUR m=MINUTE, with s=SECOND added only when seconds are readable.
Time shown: h=4 m=43
